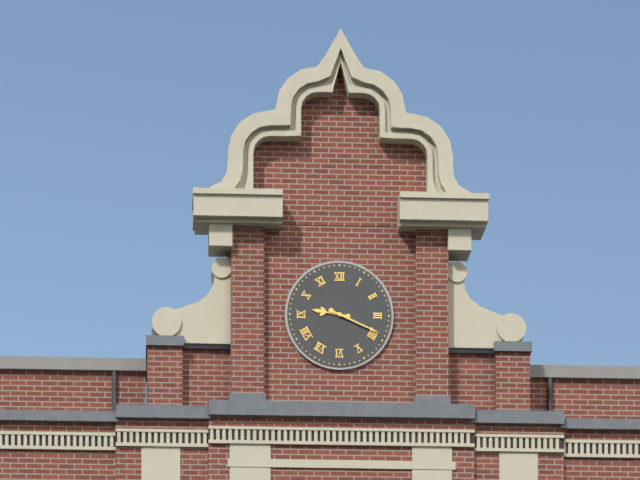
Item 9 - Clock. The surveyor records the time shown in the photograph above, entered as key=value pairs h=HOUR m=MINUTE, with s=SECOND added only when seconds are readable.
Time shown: h=9 m=19
